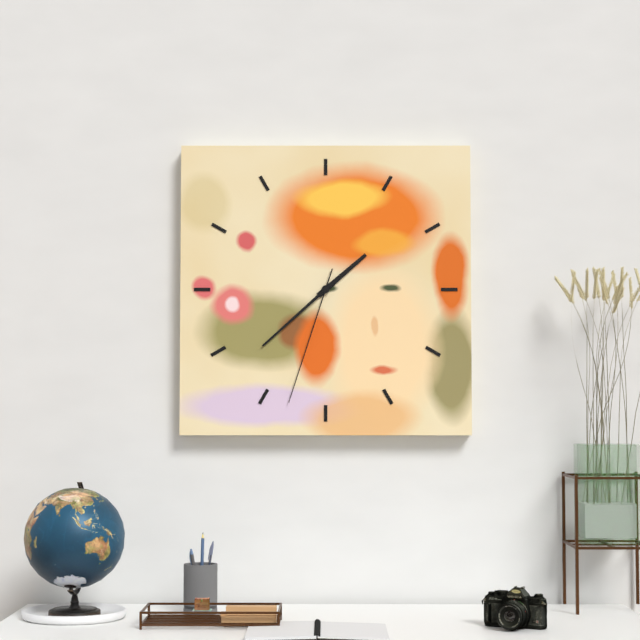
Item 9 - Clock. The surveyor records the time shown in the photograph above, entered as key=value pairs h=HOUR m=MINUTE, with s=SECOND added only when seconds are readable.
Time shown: h=1 m=38 s=33
